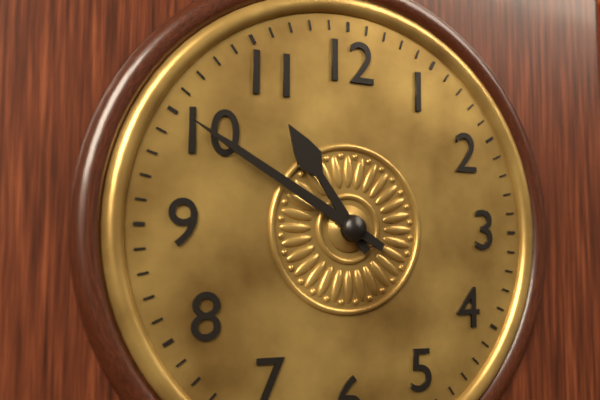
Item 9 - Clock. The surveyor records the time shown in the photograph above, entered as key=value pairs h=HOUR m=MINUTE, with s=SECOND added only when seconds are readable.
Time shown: h=10 m=50
